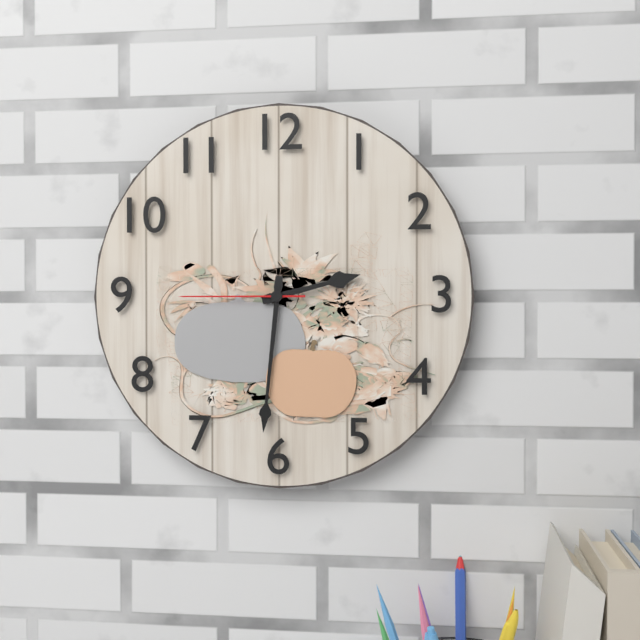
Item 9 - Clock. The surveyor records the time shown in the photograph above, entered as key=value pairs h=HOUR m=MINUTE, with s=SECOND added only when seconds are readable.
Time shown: h=2 m=31 s=45
